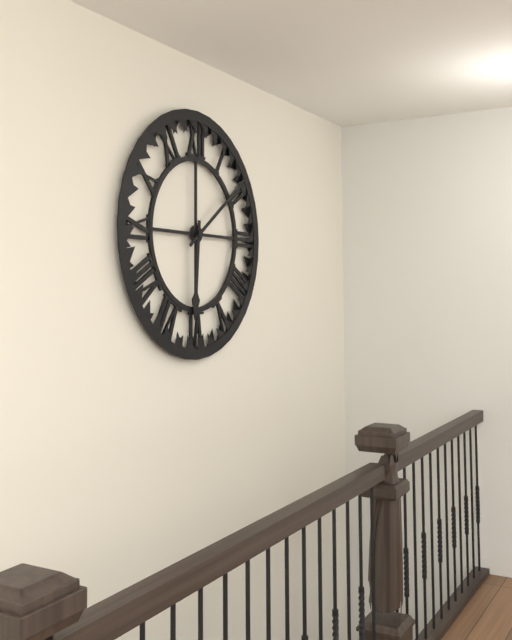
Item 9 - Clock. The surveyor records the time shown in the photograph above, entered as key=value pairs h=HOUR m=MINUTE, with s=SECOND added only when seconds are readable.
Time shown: h=6 m=9
